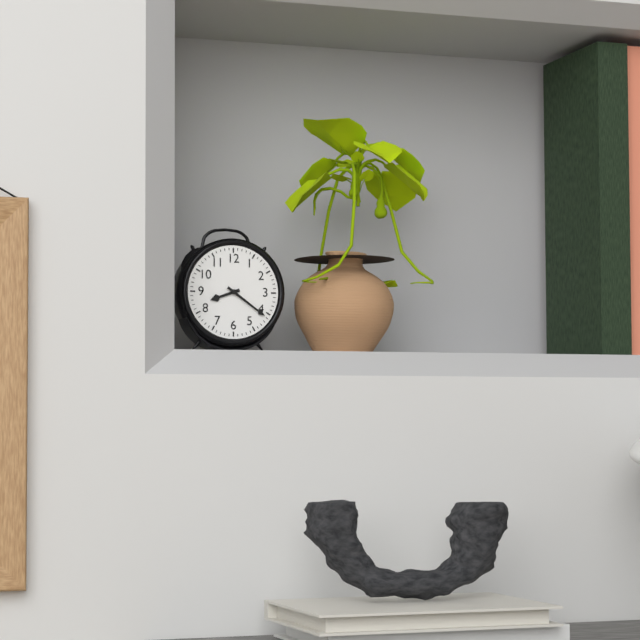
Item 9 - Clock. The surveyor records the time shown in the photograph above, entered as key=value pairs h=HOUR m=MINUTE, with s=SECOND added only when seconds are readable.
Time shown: h=8 m=21
